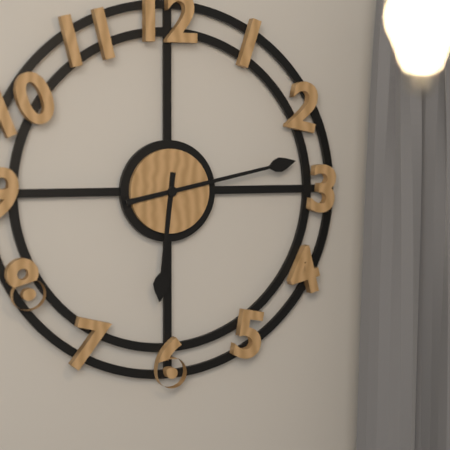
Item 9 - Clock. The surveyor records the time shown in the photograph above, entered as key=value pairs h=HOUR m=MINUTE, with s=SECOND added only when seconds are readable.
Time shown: h=6 m=13
